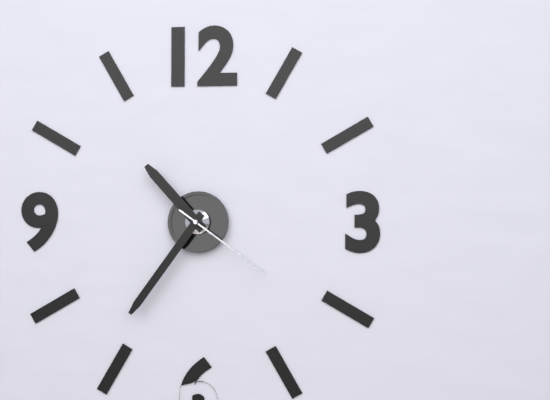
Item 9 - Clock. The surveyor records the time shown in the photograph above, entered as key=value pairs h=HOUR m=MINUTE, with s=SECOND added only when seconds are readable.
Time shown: h=10 m=36 s=21
